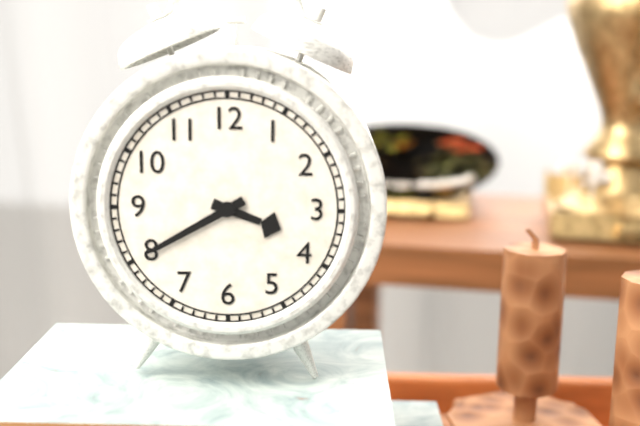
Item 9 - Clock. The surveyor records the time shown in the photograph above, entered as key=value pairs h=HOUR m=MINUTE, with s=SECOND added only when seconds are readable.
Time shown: h=3 m=40
